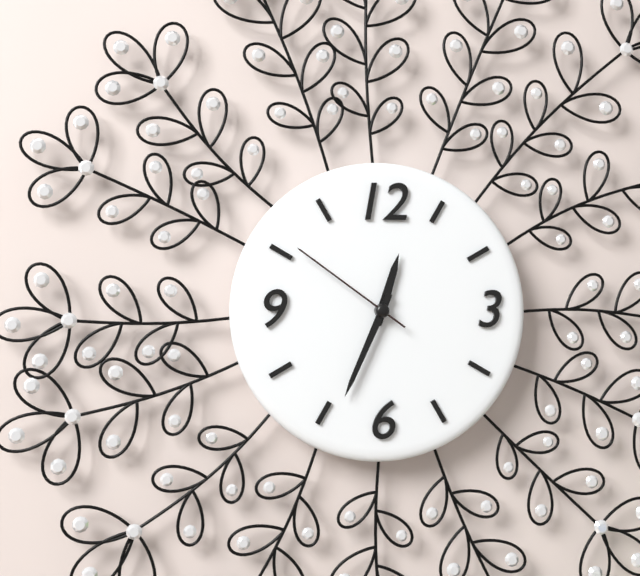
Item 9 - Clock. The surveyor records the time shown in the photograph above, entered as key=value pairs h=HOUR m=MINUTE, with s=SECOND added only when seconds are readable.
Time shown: h=12 m=34 s=51
